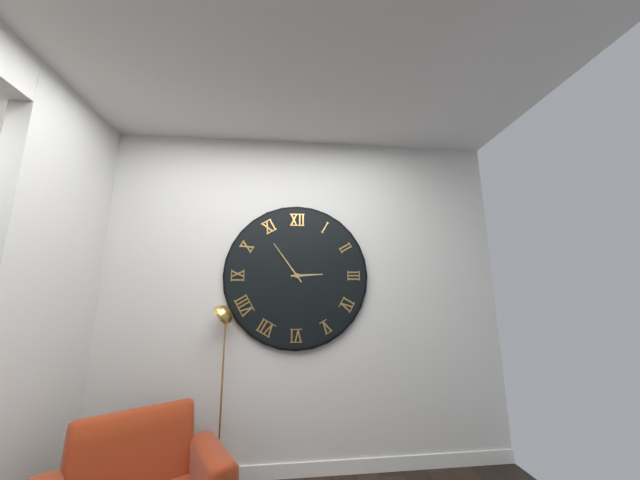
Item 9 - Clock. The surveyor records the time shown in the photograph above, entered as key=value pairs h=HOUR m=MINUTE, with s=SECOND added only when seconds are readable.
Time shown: h=2 m=54
